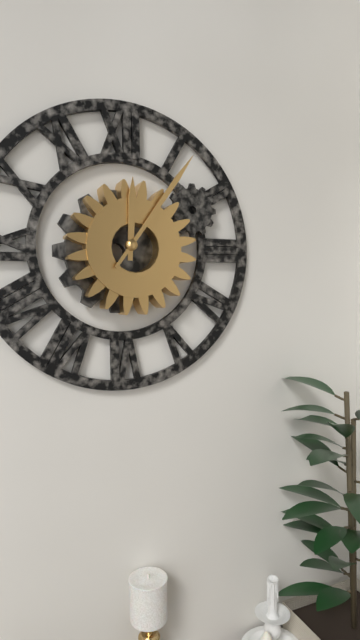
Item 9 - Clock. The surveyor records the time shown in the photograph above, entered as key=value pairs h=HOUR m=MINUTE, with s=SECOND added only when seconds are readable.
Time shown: h=12 m=6
